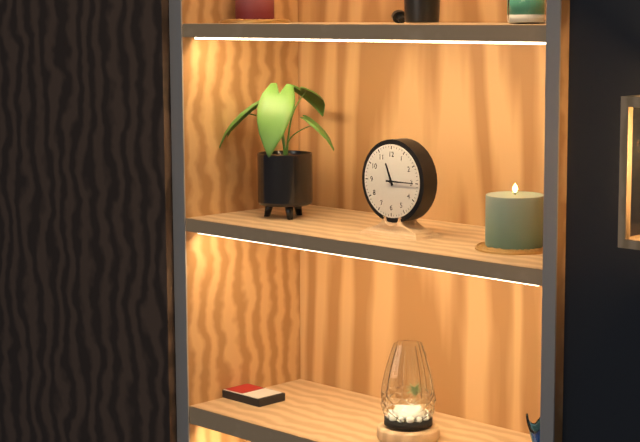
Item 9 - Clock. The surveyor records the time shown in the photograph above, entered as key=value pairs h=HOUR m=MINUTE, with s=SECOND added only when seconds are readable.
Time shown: h=11 m=15
